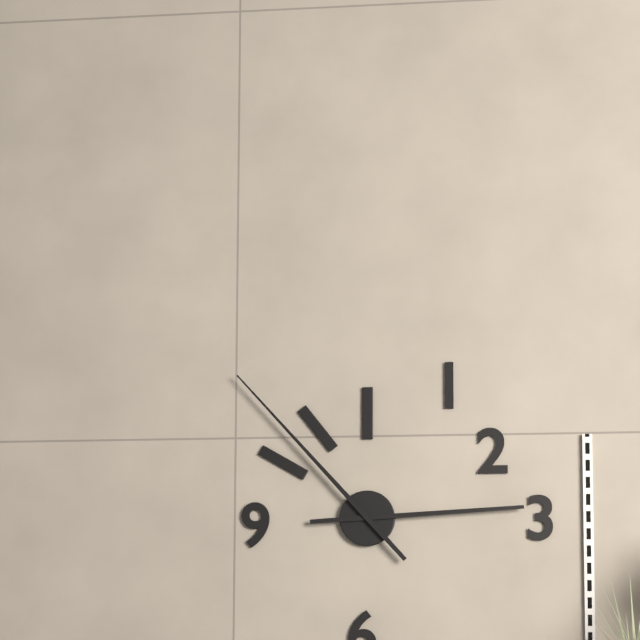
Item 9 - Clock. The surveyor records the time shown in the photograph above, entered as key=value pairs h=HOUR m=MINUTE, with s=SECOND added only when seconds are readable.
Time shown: h=2 m=53
